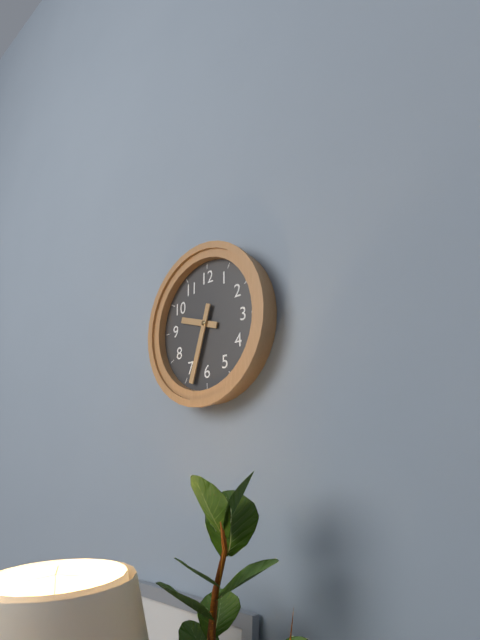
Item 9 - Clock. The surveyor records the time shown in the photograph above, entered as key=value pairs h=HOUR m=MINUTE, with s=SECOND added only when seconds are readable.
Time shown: h=9 m=33
